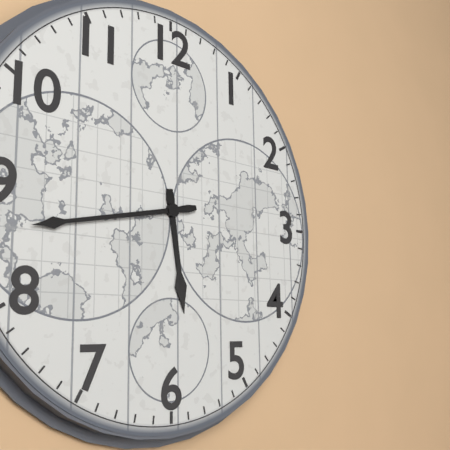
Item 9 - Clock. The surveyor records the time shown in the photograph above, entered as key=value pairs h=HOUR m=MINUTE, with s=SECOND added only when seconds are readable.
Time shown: h=5 m=43
